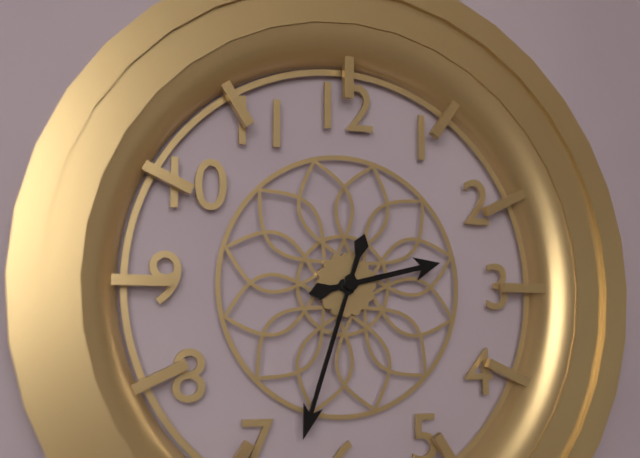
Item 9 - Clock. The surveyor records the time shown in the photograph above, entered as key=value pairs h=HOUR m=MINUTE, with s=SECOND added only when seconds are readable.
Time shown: h=2 m=33
